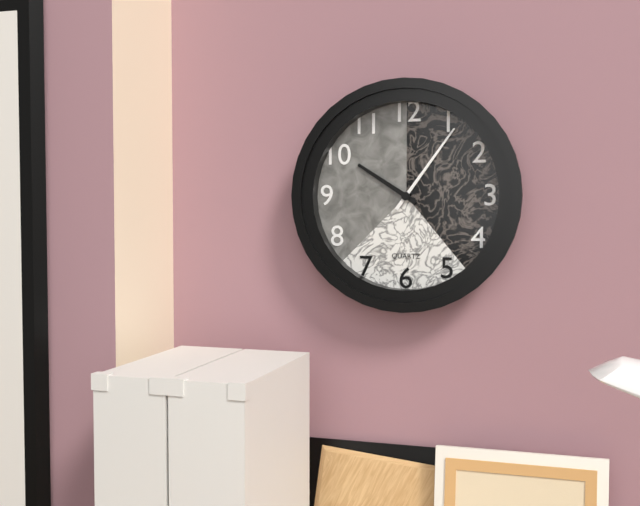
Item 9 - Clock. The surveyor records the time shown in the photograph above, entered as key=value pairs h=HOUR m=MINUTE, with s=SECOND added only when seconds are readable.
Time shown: h=10 m=6
